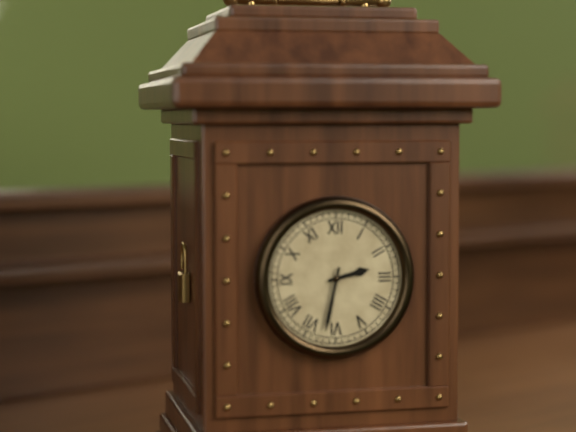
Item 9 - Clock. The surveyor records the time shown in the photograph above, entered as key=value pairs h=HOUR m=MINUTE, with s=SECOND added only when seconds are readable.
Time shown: h=2 m=32
